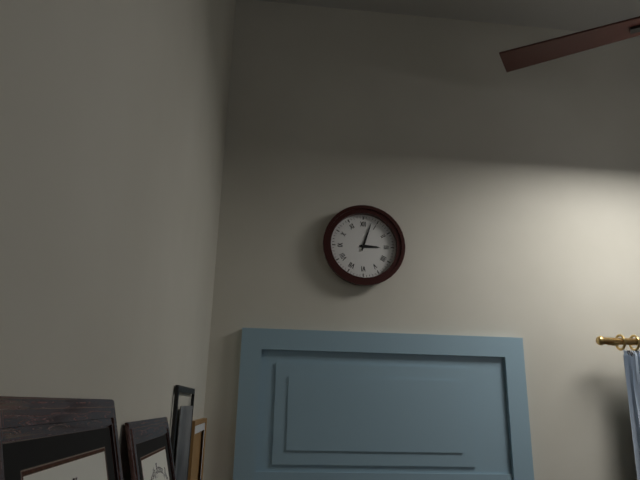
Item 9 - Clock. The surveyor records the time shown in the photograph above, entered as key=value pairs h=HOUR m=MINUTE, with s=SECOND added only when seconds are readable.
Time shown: h=3 m=3
